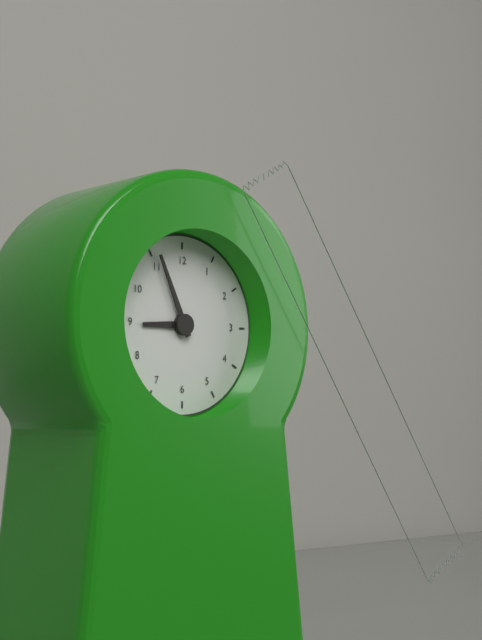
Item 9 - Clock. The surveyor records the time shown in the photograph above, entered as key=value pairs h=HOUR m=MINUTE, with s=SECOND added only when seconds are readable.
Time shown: h=8 m=56
